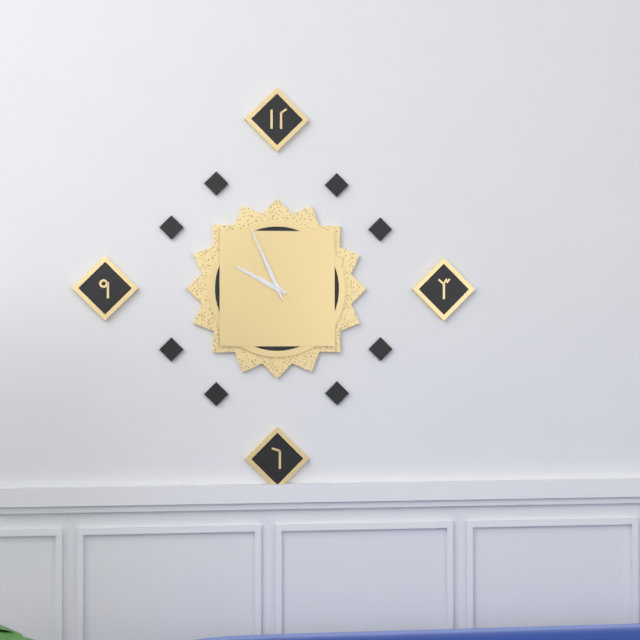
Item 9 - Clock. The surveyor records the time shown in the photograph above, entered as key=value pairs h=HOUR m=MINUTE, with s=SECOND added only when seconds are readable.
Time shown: h=9 m=56
